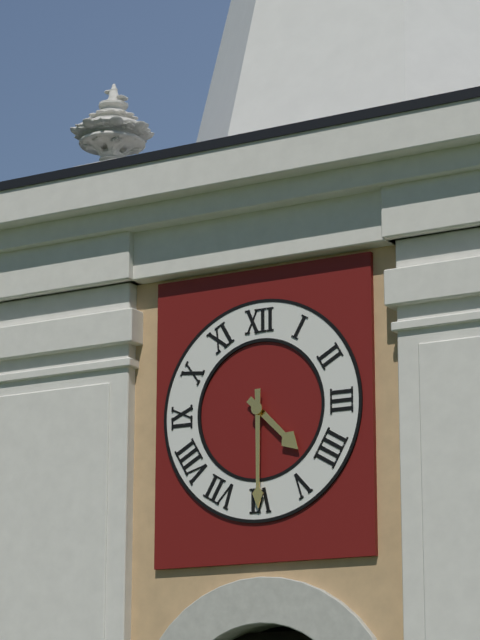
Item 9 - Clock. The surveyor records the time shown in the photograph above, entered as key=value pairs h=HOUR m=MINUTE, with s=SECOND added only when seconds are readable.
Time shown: h=4 m=30
